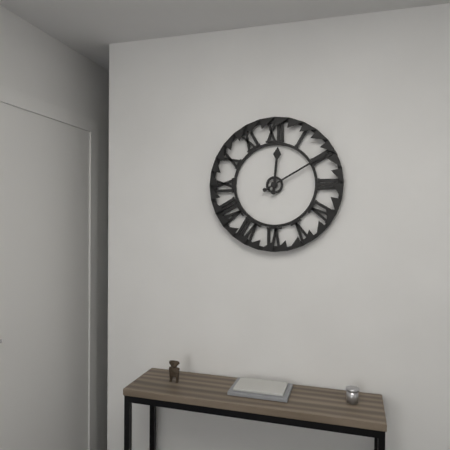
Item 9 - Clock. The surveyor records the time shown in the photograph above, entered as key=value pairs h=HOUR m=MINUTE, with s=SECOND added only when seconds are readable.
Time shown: h=12 m=10
